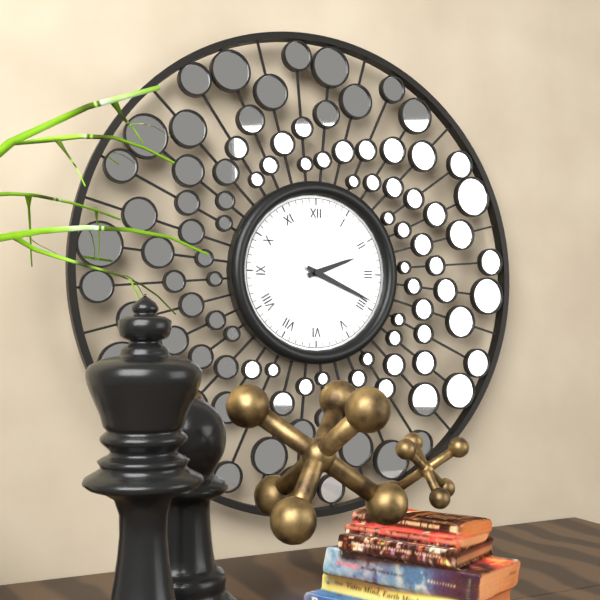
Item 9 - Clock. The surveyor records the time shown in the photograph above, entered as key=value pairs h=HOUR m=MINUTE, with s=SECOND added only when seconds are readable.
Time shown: h=2 m=19
